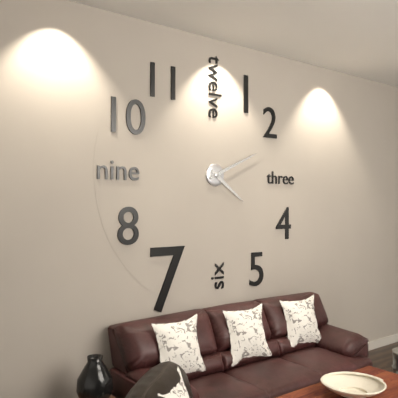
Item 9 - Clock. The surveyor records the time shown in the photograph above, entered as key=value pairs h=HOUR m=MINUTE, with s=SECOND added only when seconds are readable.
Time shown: h=4 m=11
